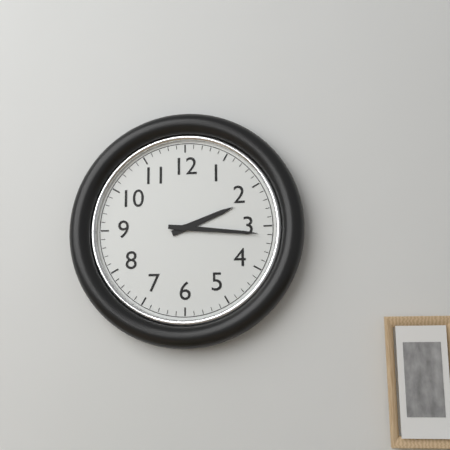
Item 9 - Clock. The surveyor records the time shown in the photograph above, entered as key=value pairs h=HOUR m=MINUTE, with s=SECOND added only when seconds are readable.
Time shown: h=2 m=16
